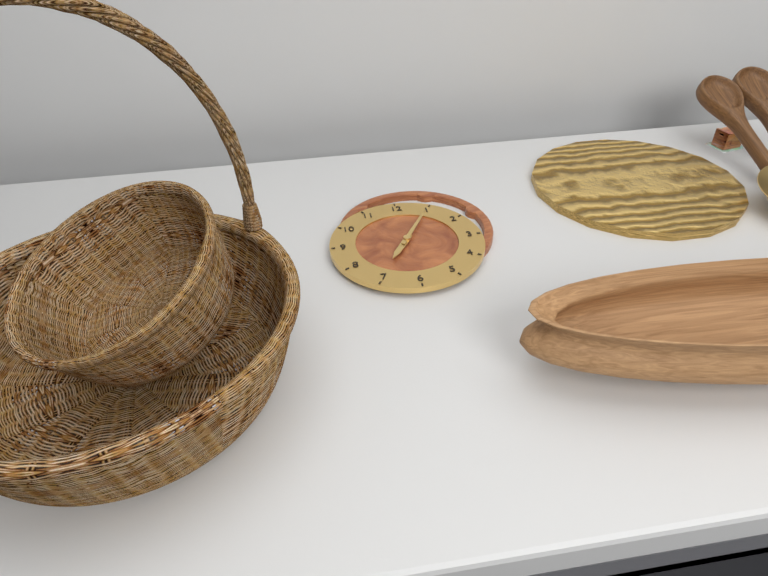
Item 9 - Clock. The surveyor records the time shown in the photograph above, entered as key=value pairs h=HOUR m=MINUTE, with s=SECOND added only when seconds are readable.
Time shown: h=7 m=5
